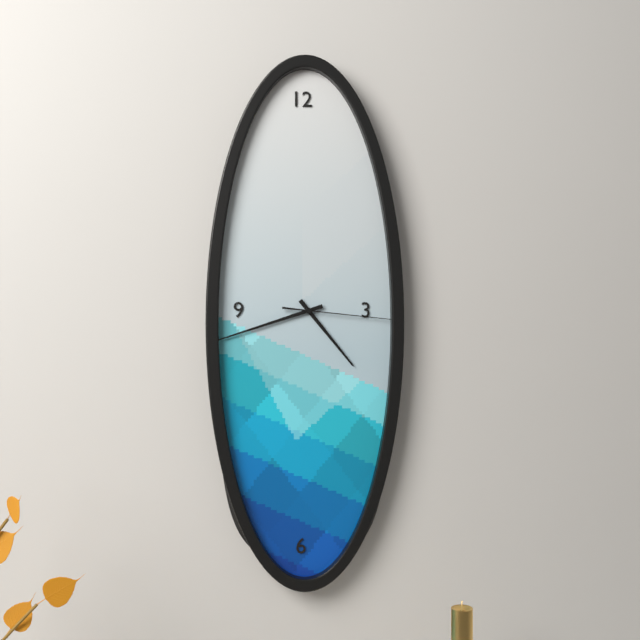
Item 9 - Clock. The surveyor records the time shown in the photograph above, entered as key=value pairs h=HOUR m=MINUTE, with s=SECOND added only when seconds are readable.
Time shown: h=4 m=42 s=16
